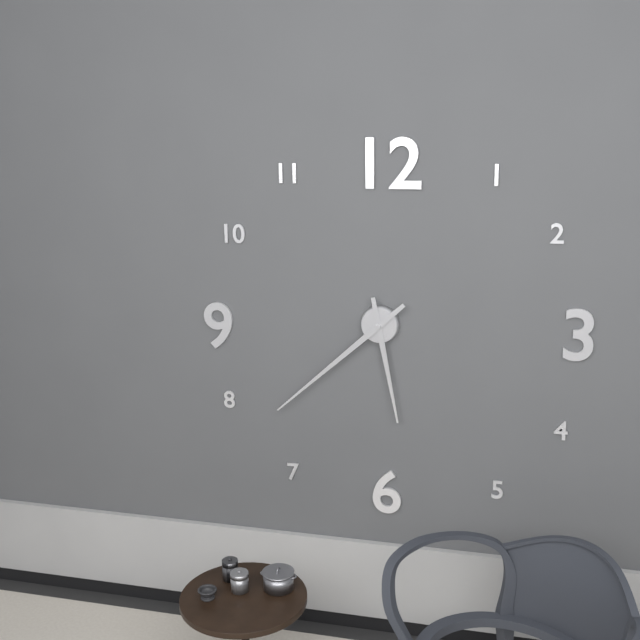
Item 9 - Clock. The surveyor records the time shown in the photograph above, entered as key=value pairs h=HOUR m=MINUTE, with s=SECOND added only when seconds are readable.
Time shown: h=5 m=38
